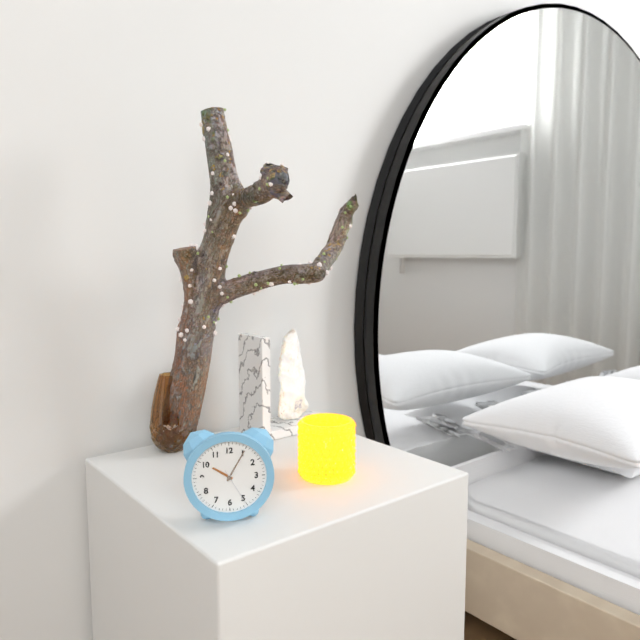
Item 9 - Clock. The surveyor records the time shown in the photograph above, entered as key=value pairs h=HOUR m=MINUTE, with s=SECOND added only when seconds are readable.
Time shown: h=10 m=5
